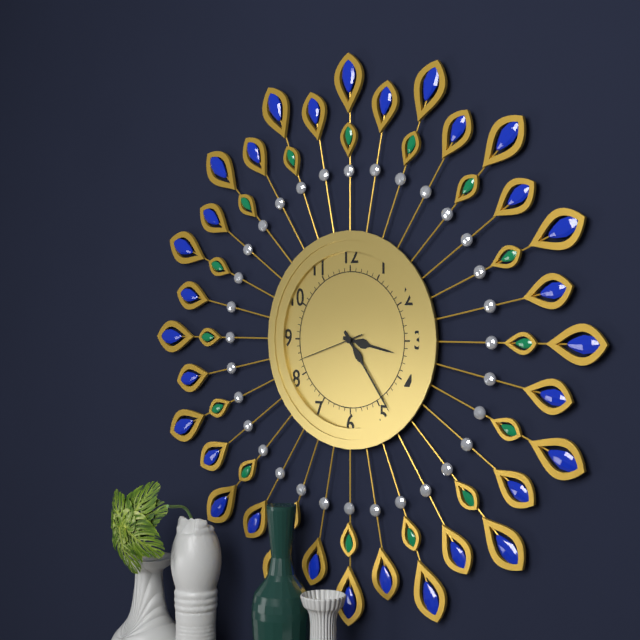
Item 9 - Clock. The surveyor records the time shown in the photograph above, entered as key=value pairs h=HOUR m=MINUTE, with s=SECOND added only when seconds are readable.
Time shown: h=3 m=24 s=42
